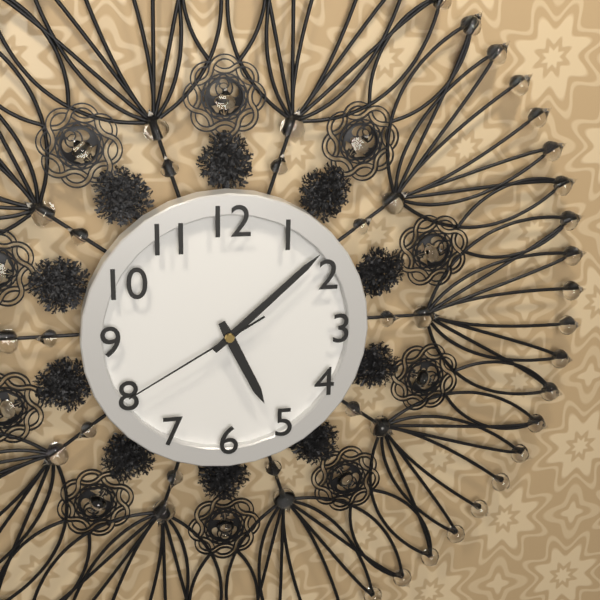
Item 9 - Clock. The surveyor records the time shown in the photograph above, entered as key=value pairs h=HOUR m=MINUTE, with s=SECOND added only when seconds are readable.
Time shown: h=5 m=8 s=40
